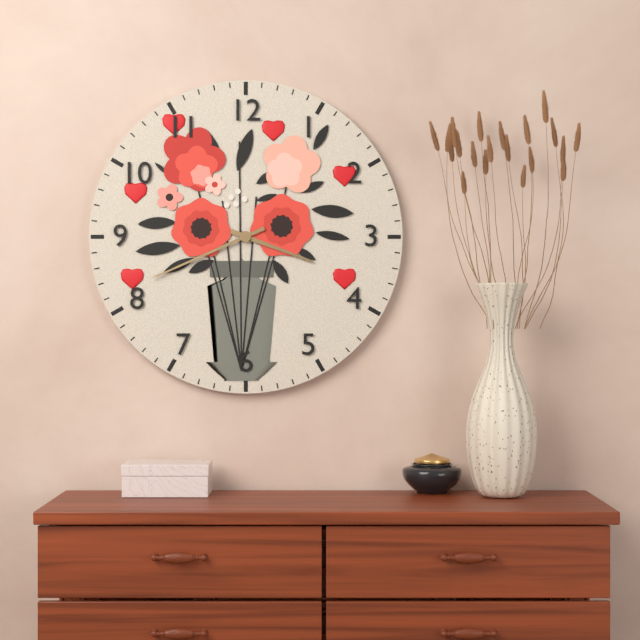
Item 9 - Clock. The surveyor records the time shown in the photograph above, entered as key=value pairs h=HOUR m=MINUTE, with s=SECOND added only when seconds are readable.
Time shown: h=3 m=41
